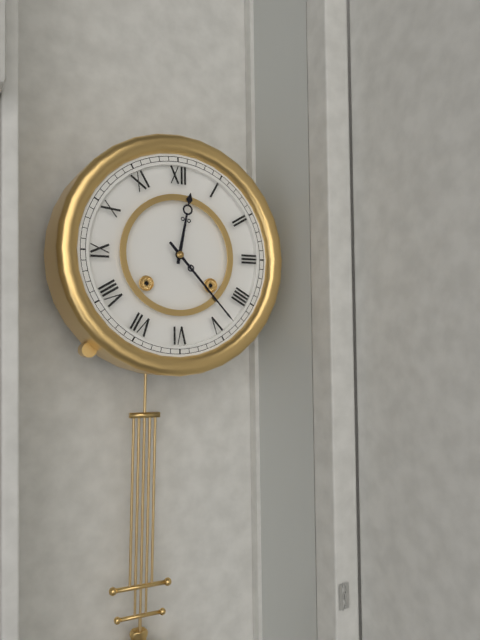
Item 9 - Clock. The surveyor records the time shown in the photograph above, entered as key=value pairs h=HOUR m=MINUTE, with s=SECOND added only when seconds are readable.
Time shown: h=12 m=23
